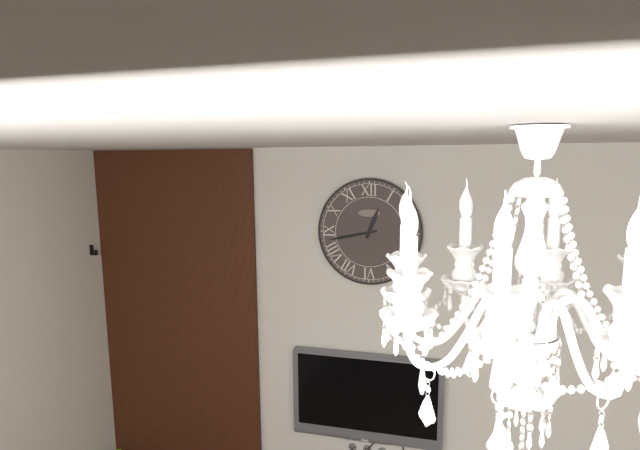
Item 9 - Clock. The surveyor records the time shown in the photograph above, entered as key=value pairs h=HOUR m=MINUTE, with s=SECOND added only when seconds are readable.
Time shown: h=12 m=43
